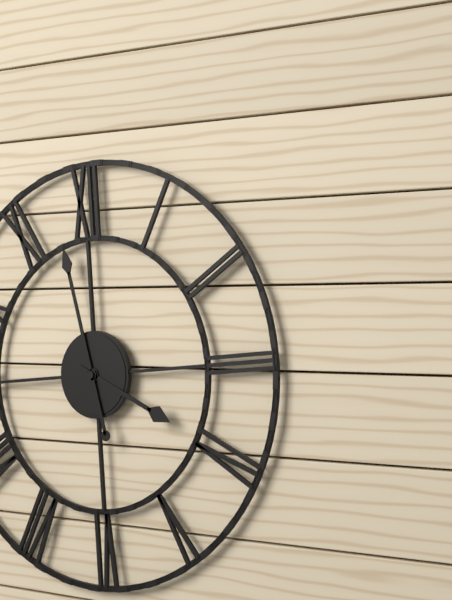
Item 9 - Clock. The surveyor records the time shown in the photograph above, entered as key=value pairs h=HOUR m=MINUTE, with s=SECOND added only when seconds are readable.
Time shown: h=3 m=58
